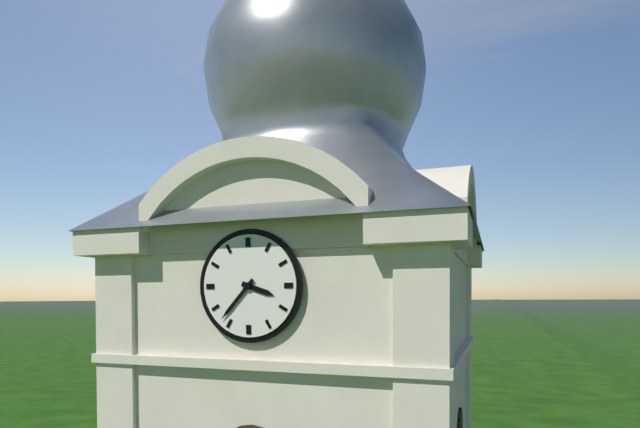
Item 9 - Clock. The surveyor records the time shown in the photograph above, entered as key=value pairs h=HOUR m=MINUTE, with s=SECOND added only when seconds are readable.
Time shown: h=3 m=37
